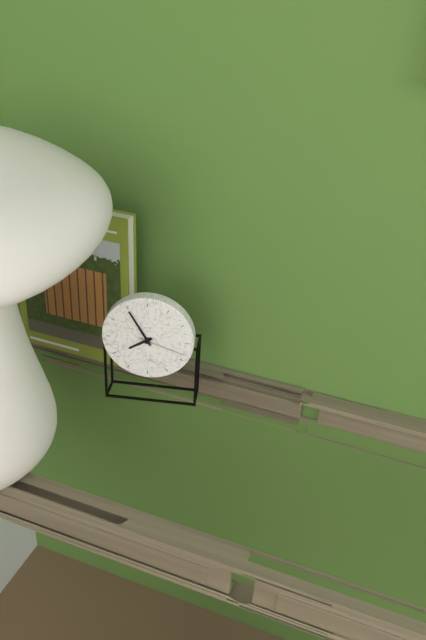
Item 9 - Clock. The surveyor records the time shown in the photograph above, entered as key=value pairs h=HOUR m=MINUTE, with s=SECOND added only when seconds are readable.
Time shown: h=7 m=55 s=18
